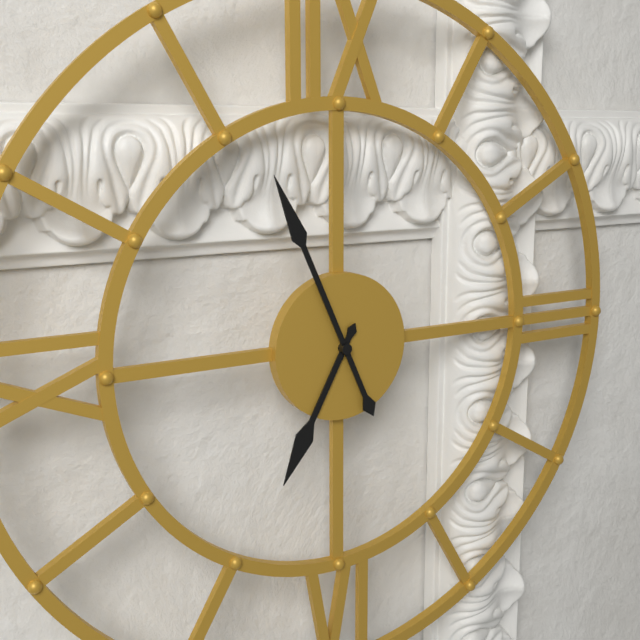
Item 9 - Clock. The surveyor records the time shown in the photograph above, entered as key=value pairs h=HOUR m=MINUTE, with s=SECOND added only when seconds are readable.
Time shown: h=6 m=56
